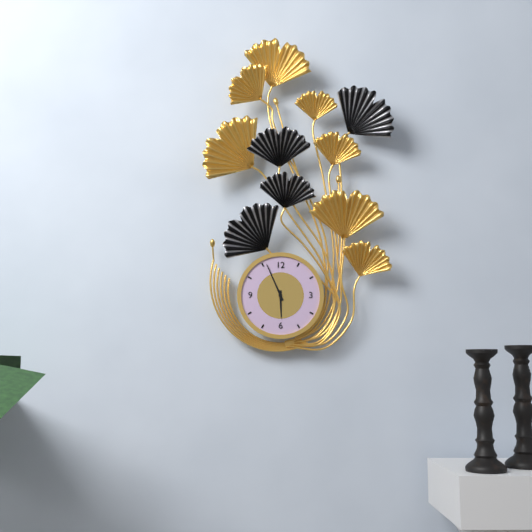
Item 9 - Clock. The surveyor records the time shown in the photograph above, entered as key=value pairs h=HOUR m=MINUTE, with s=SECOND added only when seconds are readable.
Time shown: h=5 m=56
